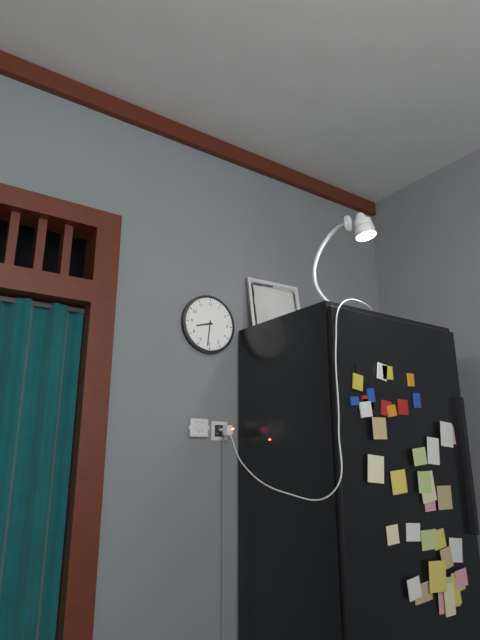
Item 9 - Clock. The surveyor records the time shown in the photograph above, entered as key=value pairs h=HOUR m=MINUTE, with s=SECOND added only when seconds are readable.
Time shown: h=8 m=31
